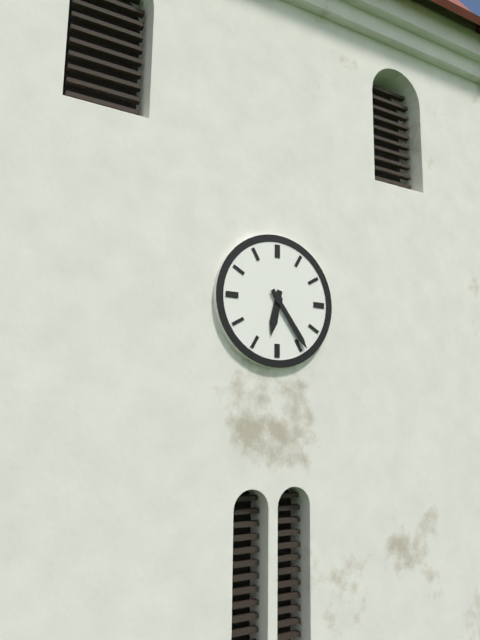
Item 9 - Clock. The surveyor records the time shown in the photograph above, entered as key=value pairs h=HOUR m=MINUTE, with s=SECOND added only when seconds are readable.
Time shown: h=6 m=24
